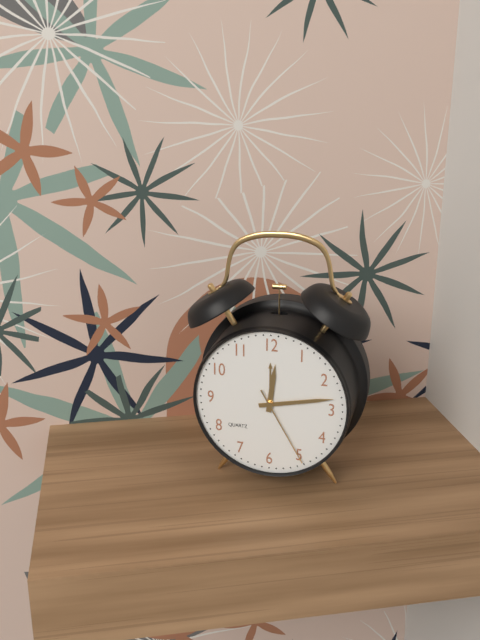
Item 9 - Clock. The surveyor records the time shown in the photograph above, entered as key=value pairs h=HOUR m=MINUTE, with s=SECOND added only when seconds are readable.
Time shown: h=12 m=13 s=25
